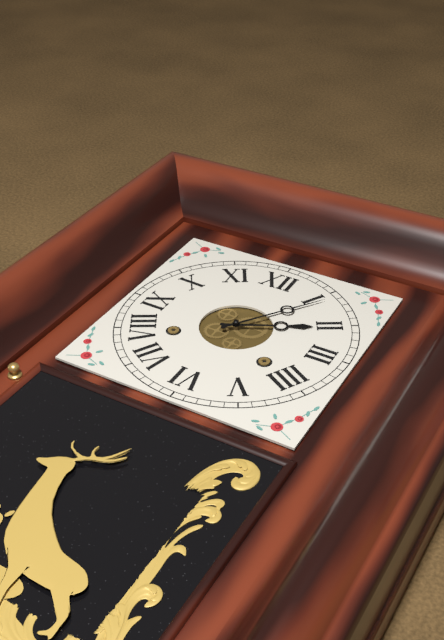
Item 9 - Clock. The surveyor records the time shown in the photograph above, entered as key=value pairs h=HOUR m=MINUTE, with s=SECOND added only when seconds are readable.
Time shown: h=2 m=6
